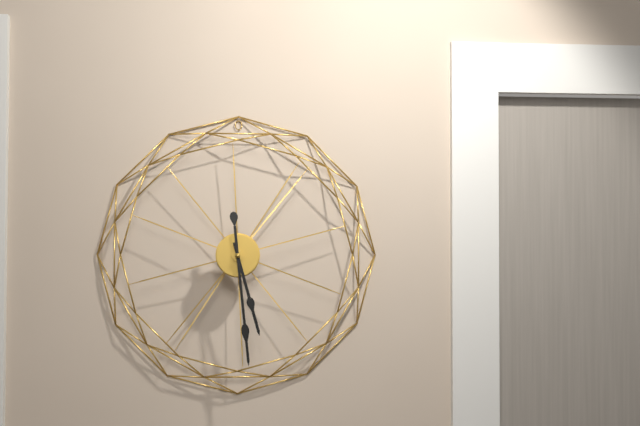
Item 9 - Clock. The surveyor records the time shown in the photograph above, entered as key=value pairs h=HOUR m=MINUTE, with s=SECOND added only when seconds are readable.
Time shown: h=5 m=29
